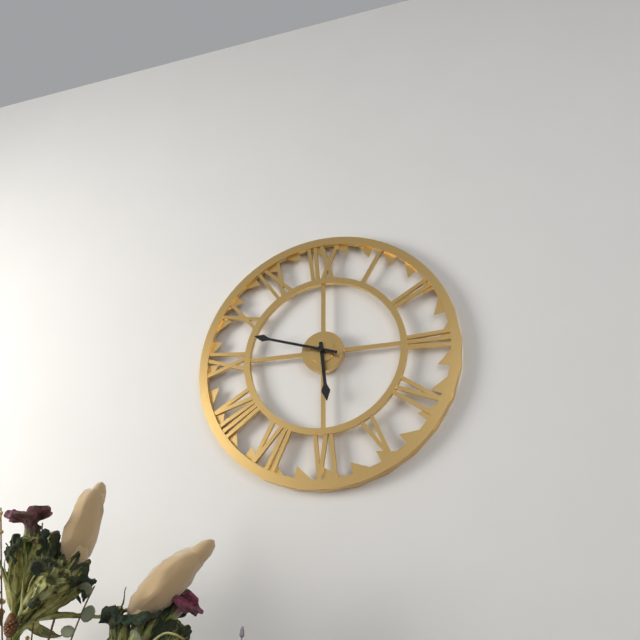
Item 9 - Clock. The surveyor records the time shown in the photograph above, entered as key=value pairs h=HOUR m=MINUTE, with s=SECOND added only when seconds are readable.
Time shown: h=5 m=48
